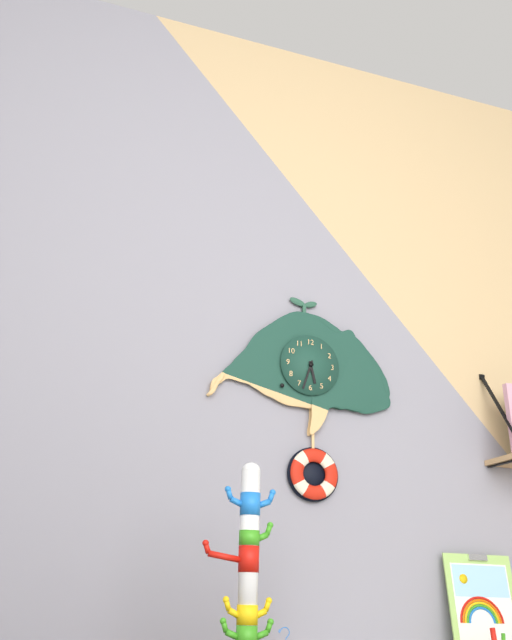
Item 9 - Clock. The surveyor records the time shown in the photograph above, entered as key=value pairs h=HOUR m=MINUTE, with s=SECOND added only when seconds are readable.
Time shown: h=5 m=33
